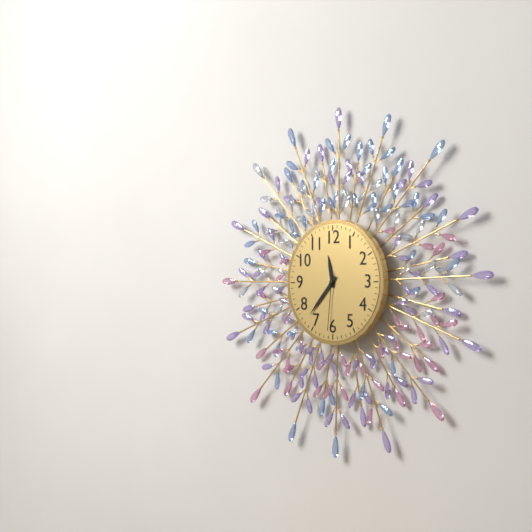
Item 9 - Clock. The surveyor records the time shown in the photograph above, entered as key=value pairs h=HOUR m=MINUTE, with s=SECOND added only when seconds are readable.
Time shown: h=11 m=37 s=31
